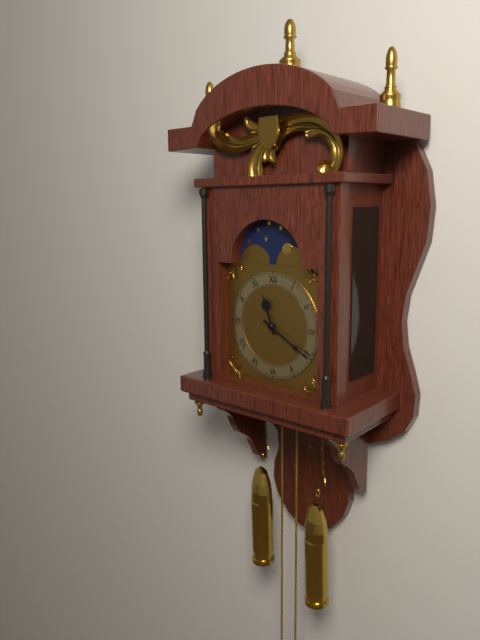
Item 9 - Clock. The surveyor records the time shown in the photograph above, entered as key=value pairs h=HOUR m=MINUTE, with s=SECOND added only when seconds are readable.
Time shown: h=11 m=20
